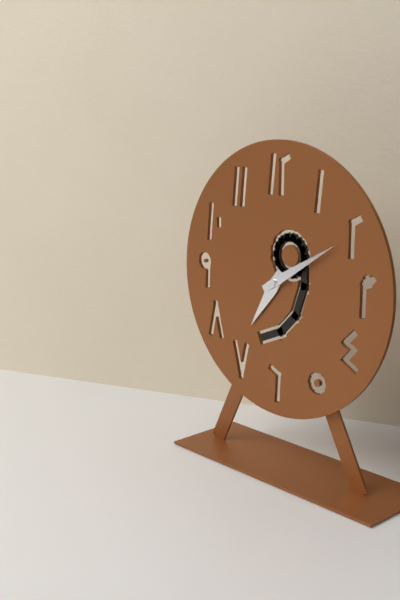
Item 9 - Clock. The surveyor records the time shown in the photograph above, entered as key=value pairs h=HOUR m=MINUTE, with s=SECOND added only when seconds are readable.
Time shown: h=7 m=10
